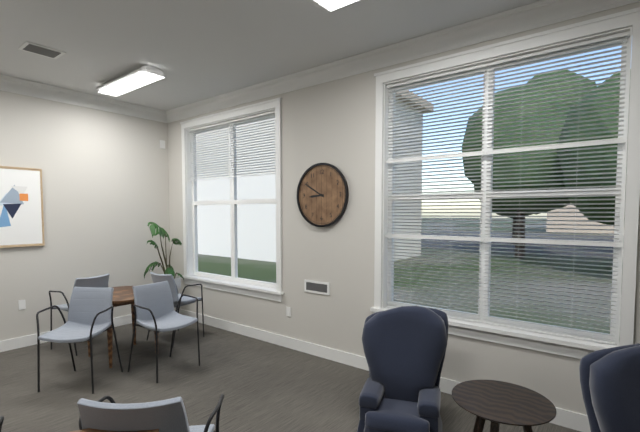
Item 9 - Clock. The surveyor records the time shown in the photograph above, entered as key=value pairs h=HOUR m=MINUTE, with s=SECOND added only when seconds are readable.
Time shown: h=8 m=50
